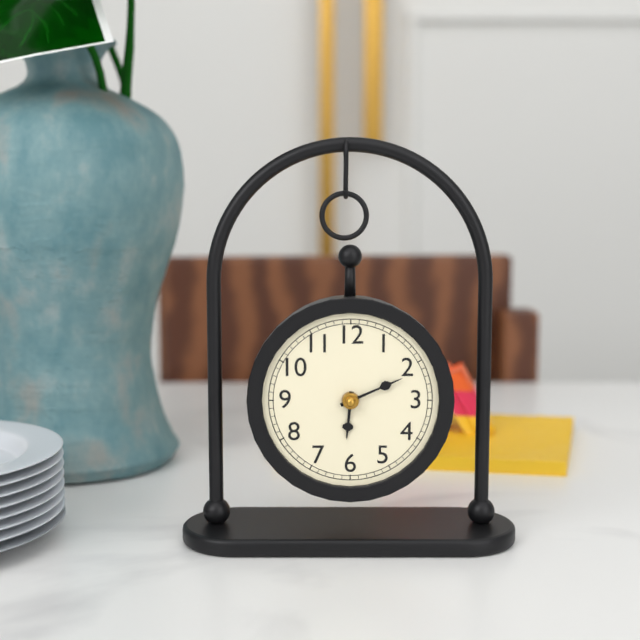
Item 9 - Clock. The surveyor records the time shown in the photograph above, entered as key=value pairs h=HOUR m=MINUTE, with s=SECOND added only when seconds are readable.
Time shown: h=6 m=11
